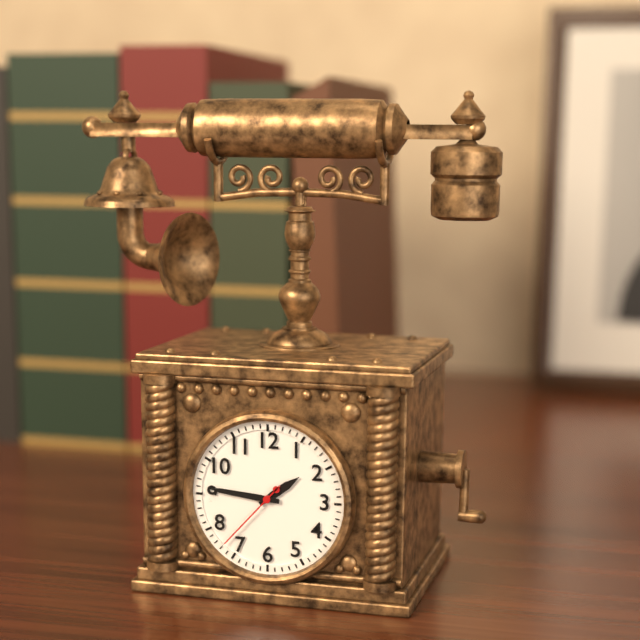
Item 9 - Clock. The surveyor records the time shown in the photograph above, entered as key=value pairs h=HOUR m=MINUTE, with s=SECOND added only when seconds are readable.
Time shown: h=1 m=46 s=37
